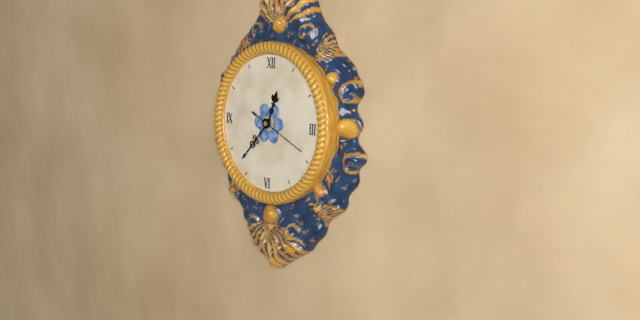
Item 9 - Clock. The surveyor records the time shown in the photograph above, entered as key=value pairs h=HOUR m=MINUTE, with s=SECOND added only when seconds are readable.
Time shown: h=12 m=37 s=19
